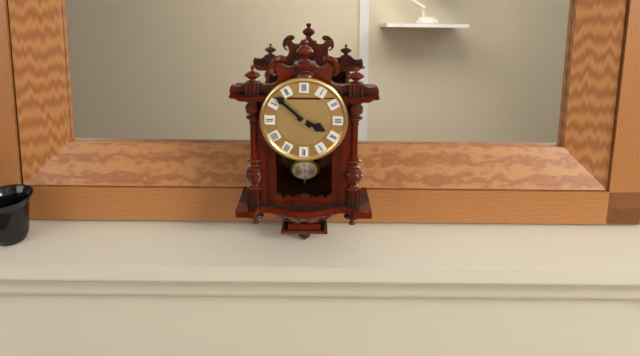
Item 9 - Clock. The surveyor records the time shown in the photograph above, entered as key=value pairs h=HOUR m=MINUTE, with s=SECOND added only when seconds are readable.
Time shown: h=3 m=52
